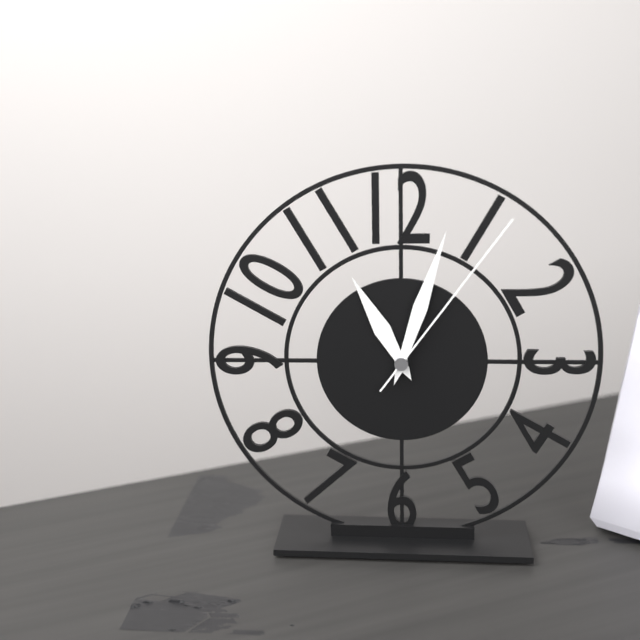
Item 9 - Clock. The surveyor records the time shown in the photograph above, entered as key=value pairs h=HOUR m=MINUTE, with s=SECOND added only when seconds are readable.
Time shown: h=11 m=3 s=6
